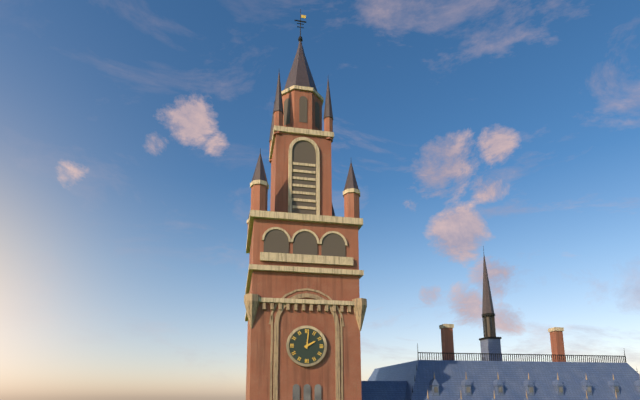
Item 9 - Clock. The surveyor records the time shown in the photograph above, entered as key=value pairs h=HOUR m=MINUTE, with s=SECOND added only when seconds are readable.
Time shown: h=2 m=1
